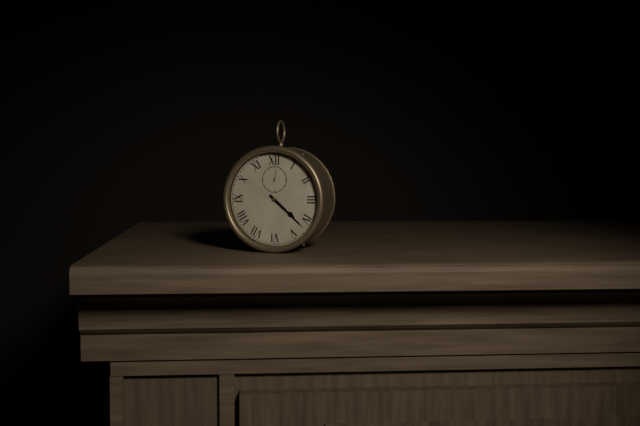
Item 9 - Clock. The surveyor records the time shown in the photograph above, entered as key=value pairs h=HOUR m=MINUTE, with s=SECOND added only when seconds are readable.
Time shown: h=4 m=22
